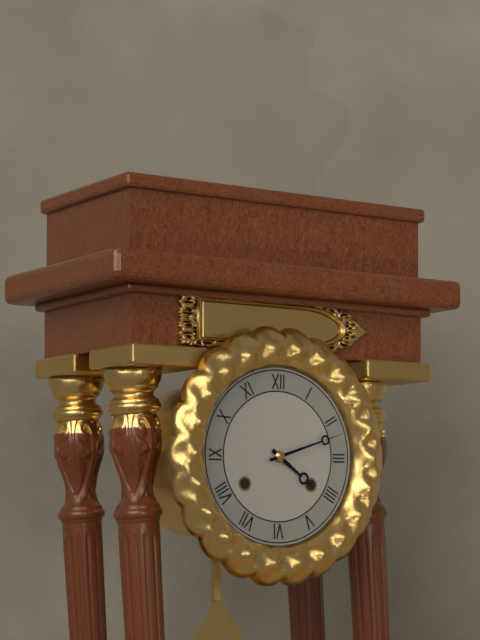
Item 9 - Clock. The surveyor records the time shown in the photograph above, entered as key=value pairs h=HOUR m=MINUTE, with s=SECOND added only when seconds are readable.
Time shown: h=4 m=12
